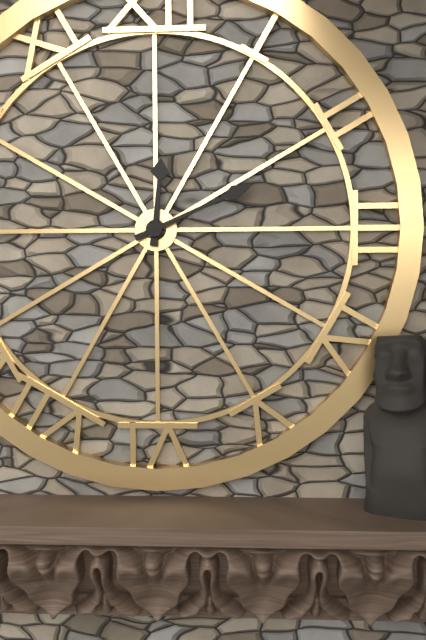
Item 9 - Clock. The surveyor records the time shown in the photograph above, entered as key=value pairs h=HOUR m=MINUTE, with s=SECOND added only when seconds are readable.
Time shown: h=12 m=11
